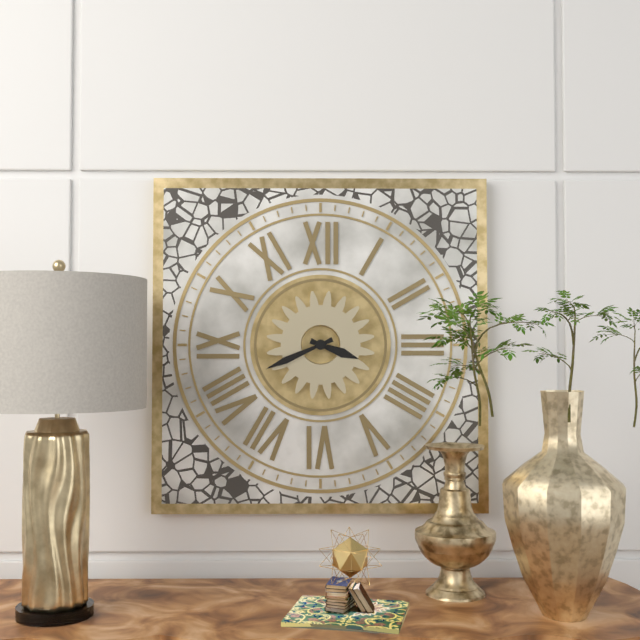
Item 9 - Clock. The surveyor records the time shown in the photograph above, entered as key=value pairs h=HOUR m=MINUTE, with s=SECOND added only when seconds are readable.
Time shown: h=3 m=41
